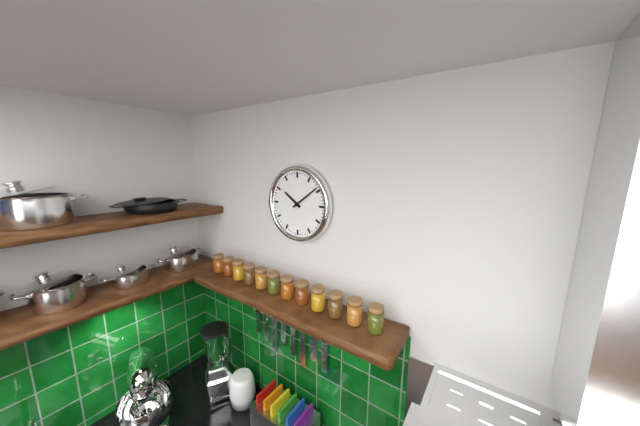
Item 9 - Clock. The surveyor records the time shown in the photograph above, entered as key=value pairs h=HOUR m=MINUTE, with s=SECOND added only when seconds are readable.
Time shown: h=10 m=9
